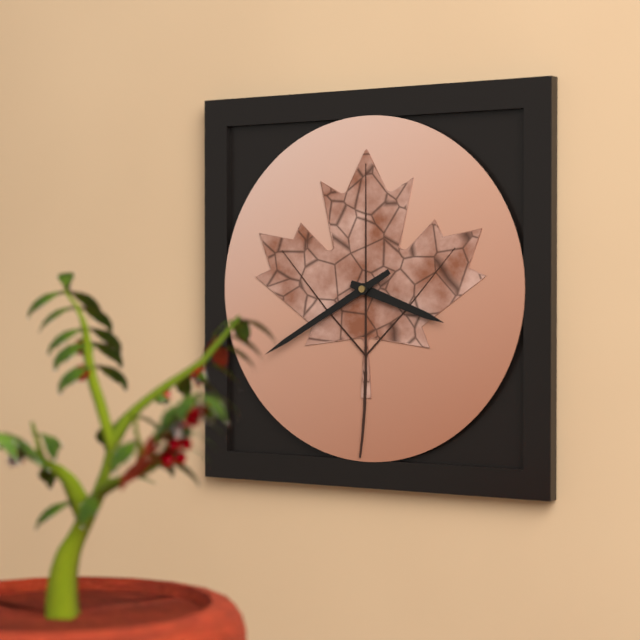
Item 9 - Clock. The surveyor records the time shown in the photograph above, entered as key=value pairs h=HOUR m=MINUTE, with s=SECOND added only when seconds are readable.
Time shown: h=3 m=40
